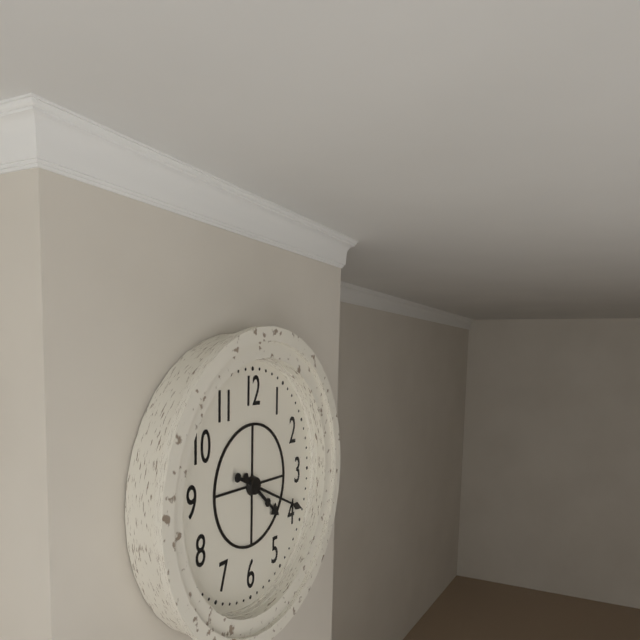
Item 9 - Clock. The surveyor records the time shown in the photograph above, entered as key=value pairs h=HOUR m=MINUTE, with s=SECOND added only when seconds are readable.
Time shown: h=4 m=19
